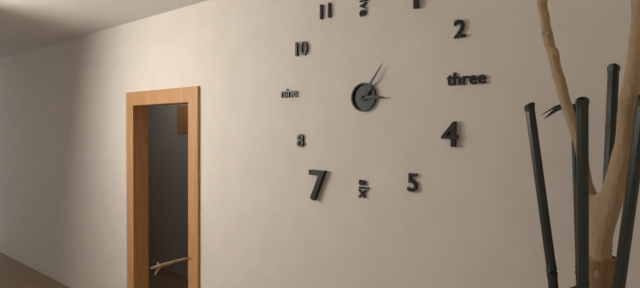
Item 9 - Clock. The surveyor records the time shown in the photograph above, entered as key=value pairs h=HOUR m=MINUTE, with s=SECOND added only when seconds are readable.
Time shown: h=3 m=6
